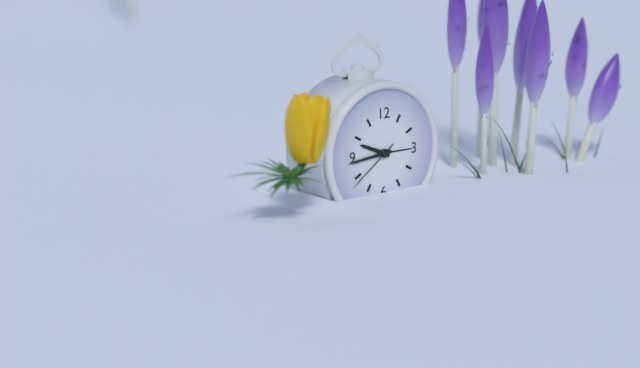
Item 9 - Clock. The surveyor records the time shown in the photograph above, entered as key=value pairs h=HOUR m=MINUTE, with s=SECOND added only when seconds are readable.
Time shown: h=9 m=44 s=39
